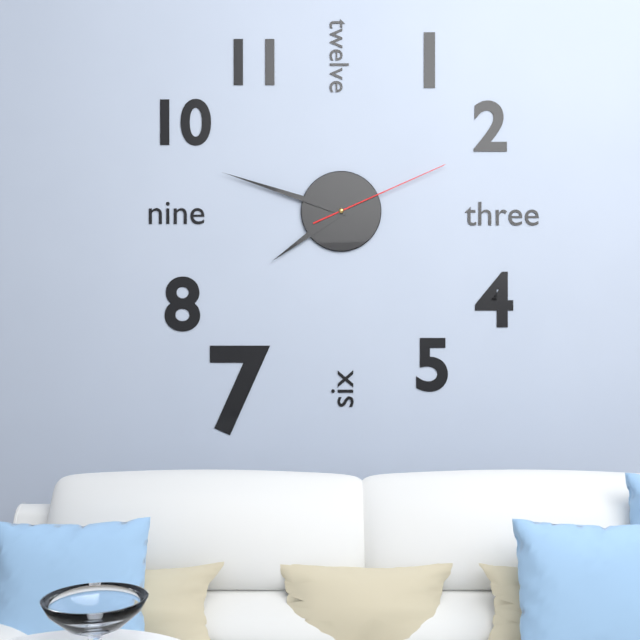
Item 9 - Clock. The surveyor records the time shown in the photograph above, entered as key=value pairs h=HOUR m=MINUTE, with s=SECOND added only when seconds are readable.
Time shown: h=7 m=48 s=11
